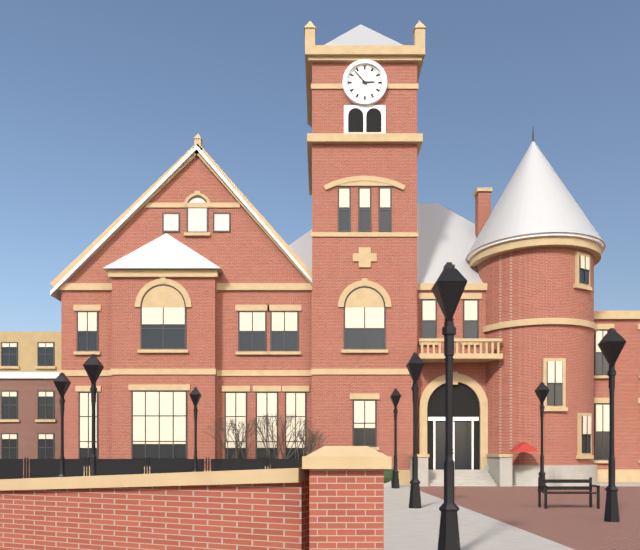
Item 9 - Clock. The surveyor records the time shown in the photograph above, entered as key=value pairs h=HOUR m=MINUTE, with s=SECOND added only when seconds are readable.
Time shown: h=2 m=53
